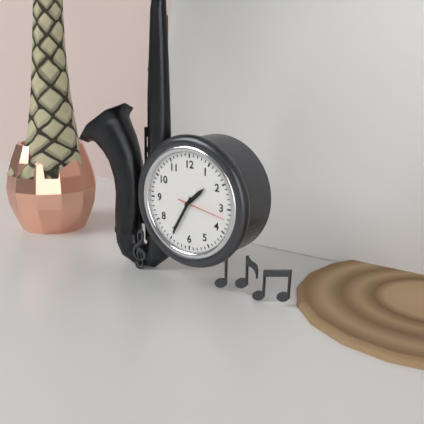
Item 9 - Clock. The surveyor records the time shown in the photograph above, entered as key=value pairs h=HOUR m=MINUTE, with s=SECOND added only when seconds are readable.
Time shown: h=1 m=35
